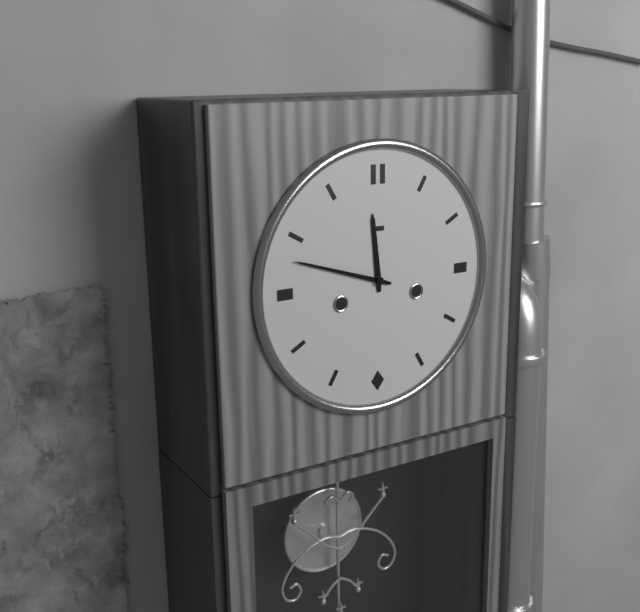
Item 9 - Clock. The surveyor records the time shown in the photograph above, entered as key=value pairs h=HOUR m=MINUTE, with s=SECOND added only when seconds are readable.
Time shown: h=11 m=48
